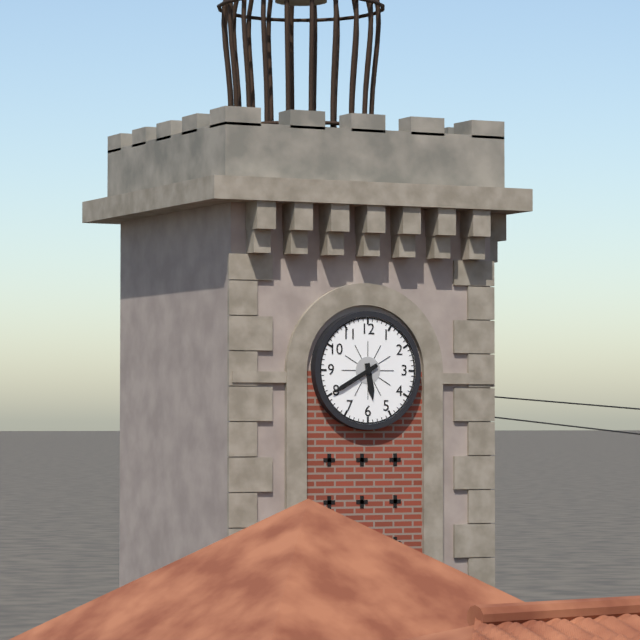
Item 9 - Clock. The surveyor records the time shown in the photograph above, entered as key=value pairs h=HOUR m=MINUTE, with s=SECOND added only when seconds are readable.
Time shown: h=5 m=40
